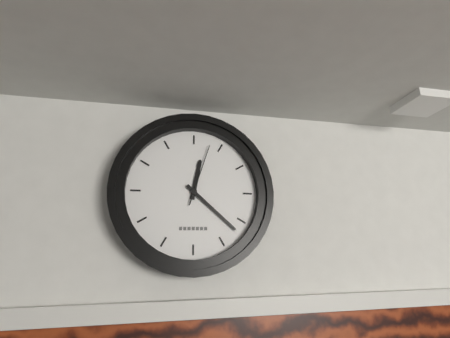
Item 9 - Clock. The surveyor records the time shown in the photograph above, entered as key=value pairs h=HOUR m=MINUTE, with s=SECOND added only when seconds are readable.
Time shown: h=12 m=22 s=3
